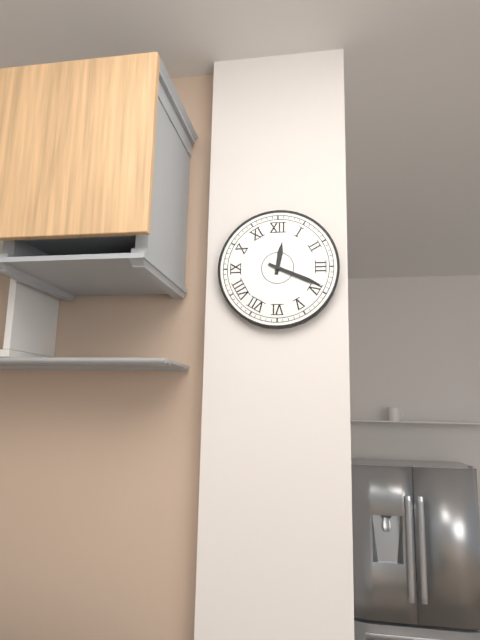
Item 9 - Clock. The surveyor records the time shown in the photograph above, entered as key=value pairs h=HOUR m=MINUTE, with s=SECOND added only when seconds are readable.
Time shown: h=12 m=19
